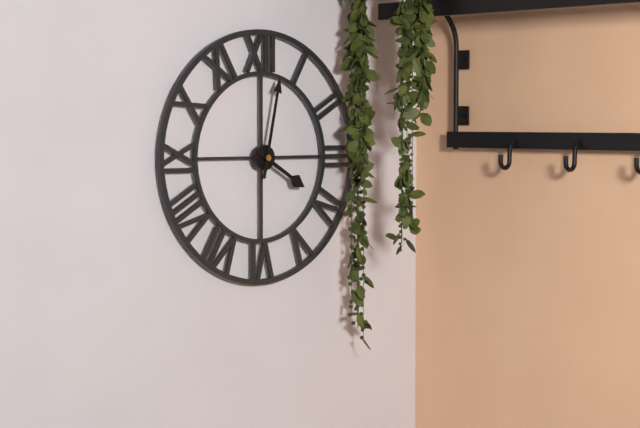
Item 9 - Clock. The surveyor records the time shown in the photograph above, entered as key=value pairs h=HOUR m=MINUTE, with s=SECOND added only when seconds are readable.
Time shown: h=4 m=2
